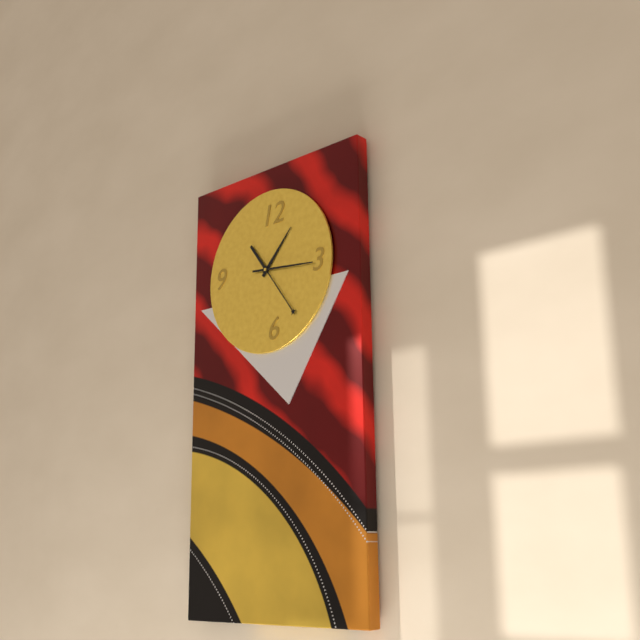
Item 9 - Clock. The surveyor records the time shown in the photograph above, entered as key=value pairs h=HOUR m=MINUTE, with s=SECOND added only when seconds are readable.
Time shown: h=1 m=24
